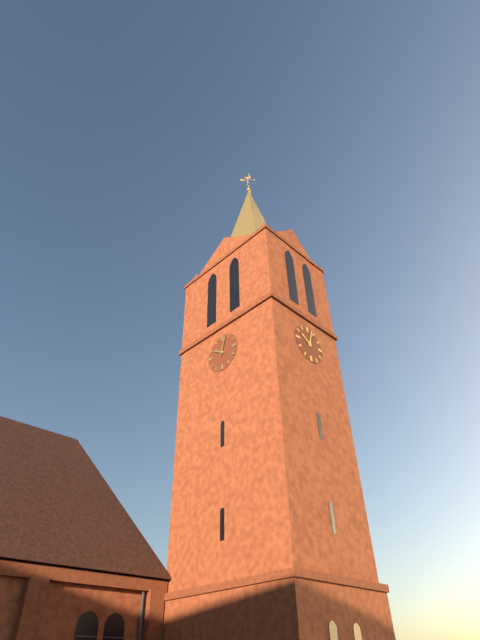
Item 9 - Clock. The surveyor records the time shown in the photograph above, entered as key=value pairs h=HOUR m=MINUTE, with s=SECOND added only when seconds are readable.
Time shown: h=10 m=3
